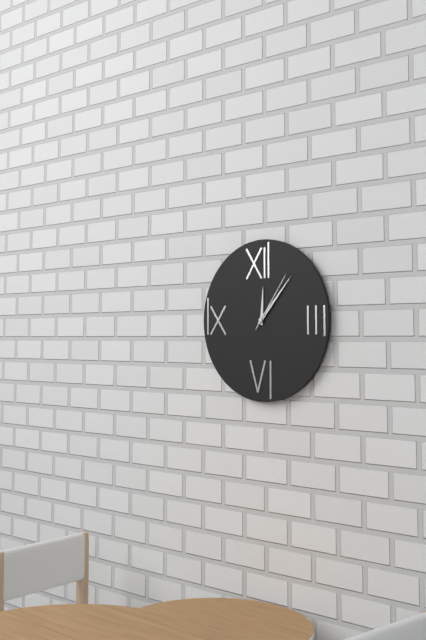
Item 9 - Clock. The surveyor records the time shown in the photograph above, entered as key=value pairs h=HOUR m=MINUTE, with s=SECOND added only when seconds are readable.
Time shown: h=12 m=7 s=6
